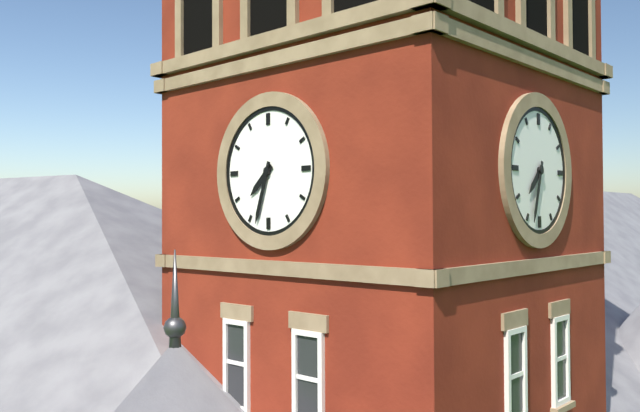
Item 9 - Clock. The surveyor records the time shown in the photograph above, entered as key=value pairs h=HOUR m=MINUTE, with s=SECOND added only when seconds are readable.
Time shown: h=7 m=33
